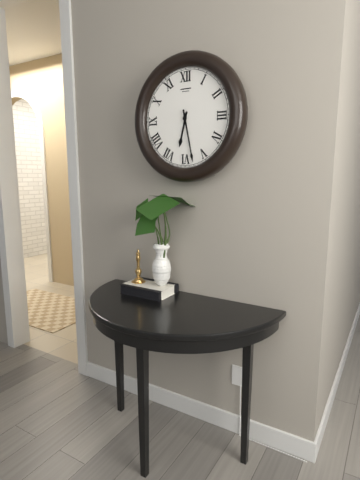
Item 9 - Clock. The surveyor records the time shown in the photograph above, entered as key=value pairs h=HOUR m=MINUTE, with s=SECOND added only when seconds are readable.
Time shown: h=6 m=28
